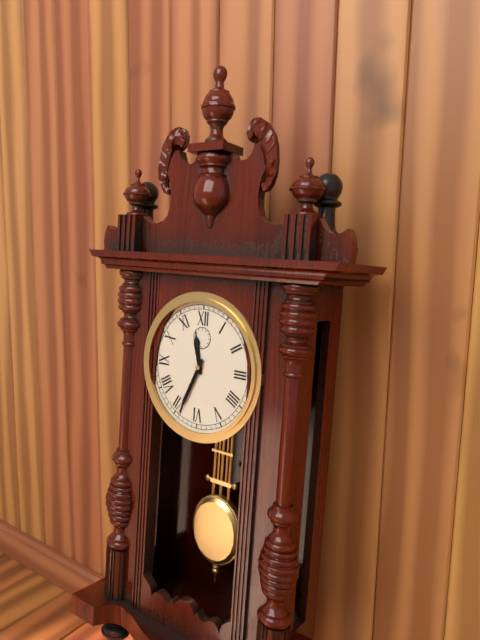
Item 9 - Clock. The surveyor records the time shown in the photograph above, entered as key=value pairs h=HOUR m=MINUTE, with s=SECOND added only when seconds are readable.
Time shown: h=11 m=34
